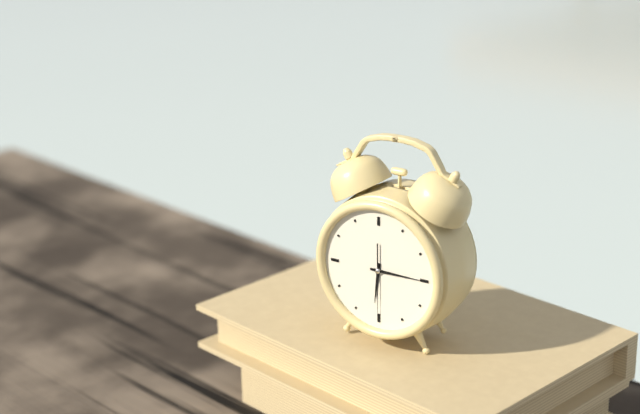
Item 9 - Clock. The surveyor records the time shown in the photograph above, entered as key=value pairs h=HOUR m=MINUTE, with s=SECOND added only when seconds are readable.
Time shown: h=6 m=15 s=30
